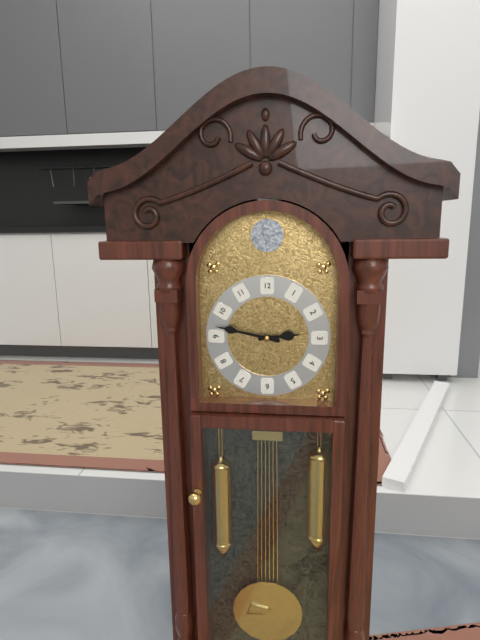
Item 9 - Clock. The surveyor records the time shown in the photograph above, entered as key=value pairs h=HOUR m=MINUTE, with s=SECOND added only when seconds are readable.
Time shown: h=2 m=47
